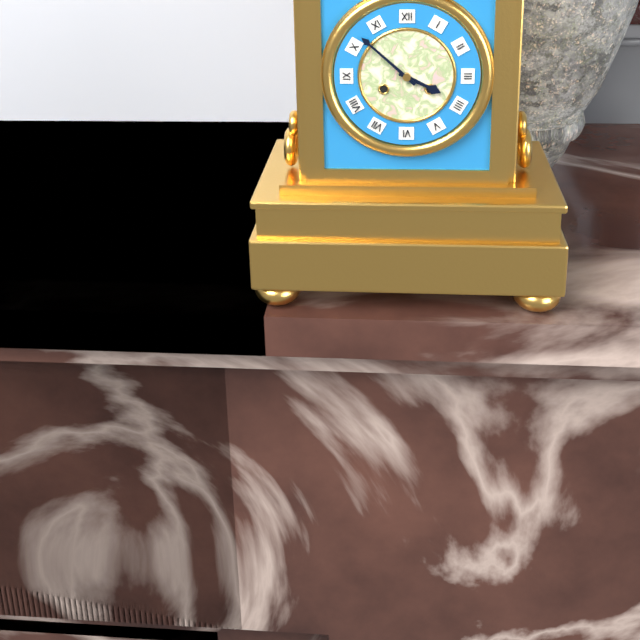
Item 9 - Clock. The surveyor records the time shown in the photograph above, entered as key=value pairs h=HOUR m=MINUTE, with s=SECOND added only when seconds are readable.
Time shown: h=3 m=52
